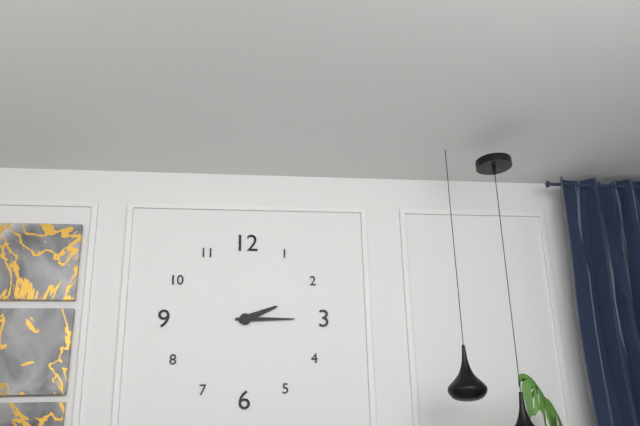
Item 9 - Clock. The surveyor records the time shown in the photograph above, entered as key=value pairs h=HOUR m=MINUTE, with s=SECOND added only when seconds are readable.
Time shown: h=2 m=15
